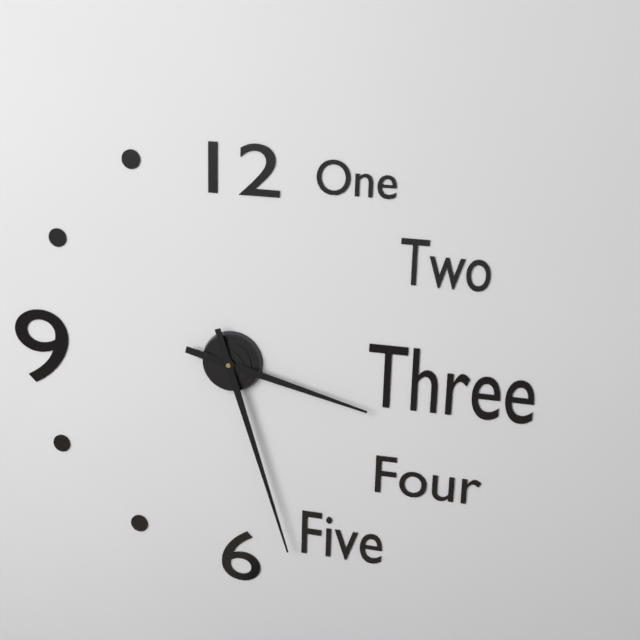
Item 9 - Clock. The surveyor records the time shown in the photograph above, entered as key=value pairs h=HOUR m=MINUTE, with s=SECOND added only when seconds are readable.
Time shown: h=3 m=27
